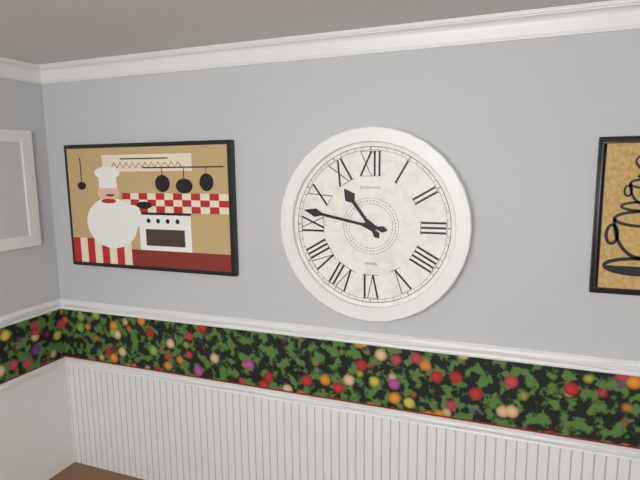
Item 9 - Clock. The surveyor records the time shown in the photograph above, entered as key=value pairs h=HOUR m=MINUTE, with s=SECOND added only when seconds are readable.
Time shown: h=10 m=47
